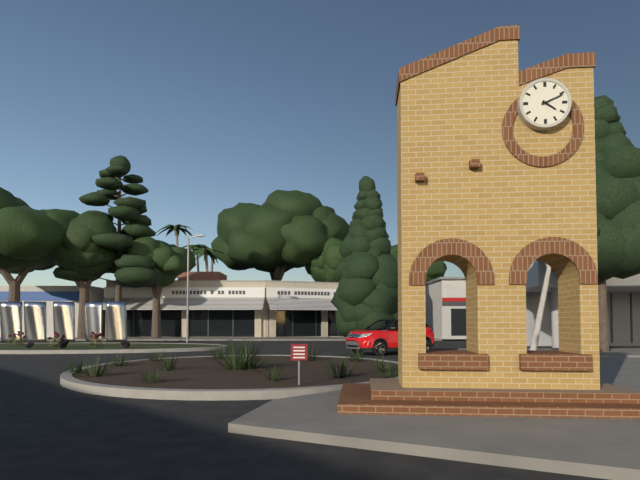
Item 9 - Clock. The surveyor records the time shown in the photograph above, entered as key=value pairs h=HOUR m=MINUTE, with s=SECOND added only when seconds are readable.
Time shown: h=4 m=11
